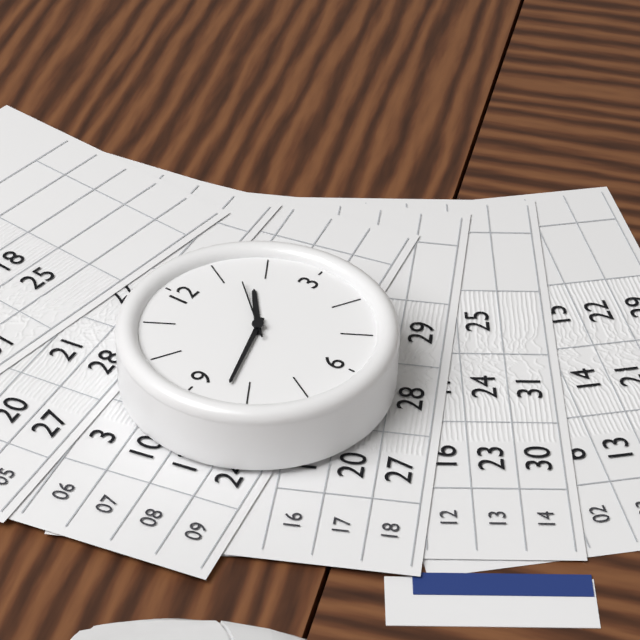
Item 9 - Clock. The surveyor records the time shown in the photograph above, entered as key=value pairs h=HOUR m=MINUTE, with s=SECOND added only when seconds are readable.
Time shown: h=1 m=42 s=7
